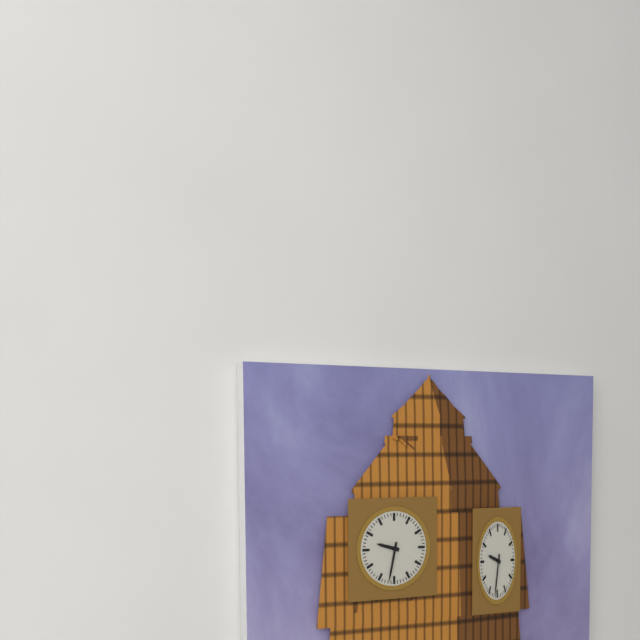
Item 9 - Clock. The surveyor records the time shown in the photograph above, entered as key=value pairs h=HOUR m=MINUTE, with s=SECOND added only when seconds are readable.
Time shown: h=9 m=32
